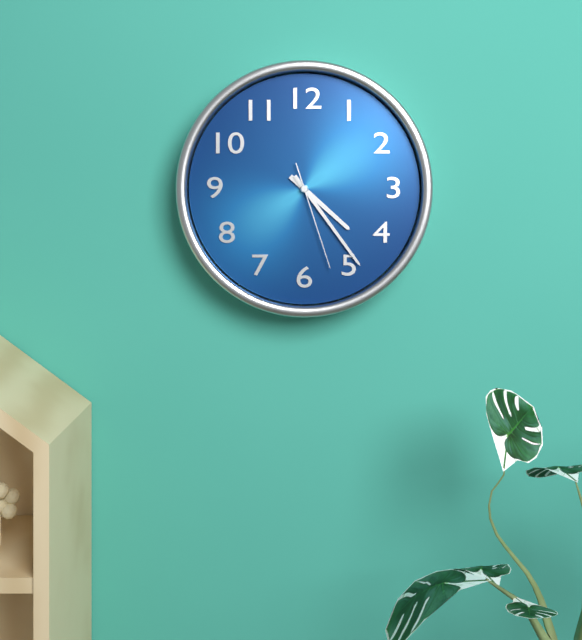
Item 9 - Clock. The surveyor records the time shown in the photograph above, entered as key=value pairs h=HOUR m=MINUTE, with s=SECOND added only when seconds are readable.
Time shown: h=4 m=24 s=27
